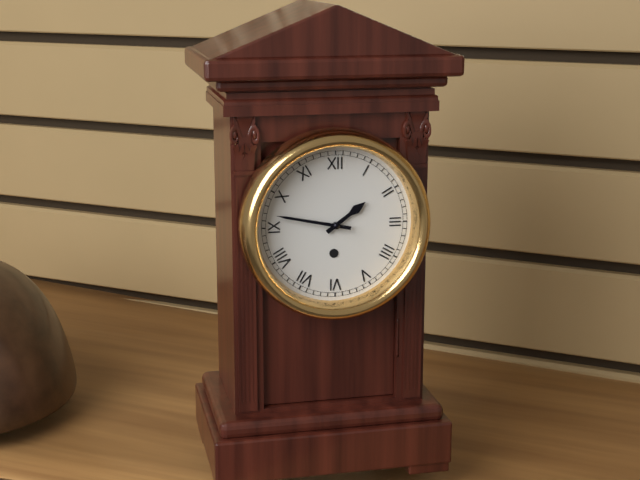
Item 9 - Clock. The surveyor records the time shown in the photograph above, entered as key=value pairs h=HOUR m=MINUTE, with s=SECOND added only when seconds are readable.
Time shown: h=1 m=47
